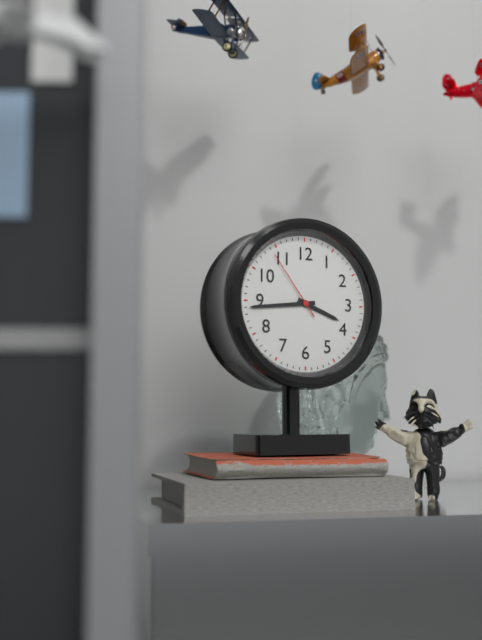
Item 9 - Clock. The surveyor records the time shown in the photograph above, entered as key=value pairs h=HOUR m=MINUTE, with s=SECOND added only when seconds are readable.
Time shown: h=3 m=44 s=54
